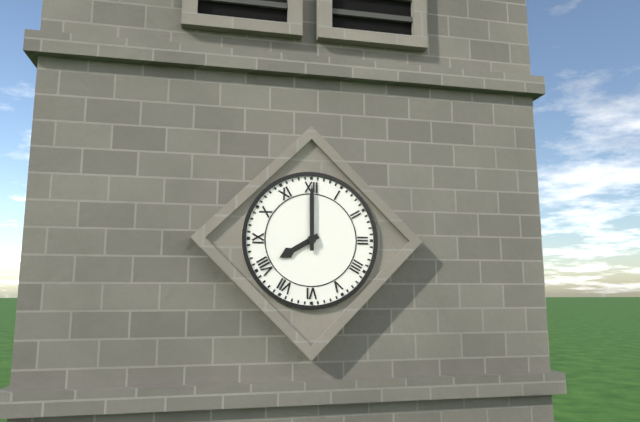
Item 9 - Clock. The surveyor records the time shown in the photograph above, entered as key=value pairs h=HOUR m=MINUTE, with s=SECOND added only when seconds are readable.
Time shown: h=8 m=0
